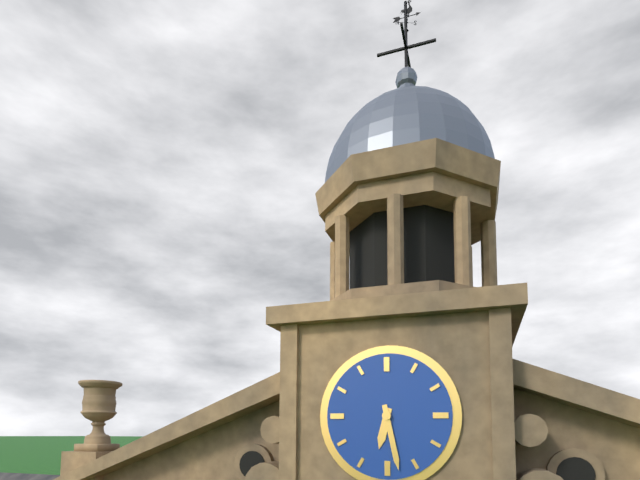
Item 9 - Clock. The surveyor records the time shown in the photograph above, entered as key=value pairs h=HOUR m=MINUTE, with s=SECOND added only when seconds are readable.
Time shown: h=6 m=28
